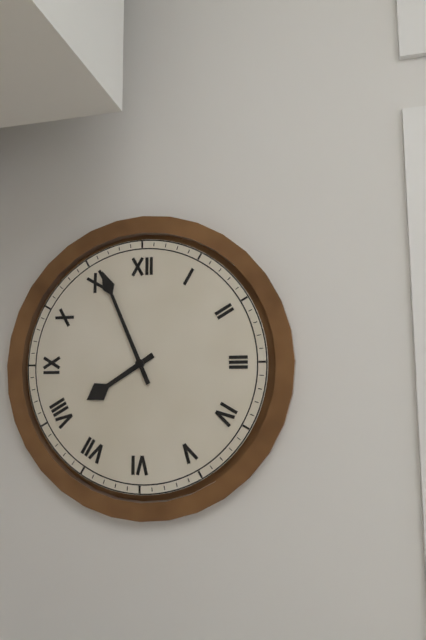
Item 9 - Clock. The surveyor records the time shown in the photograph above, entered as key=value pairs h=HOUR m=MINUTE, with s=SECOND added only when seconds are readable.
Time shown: h=7 m=56
